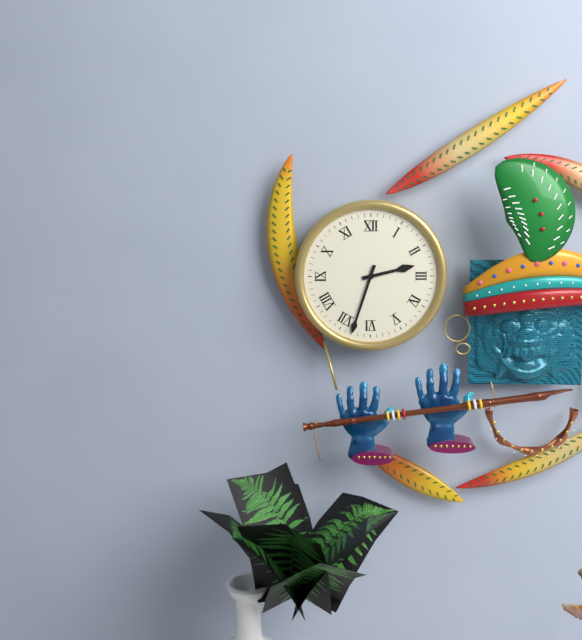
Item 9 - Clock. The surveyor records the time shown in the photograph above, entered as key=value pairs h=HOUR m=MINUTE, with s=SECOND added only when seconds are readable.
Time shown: h=2 m=33
